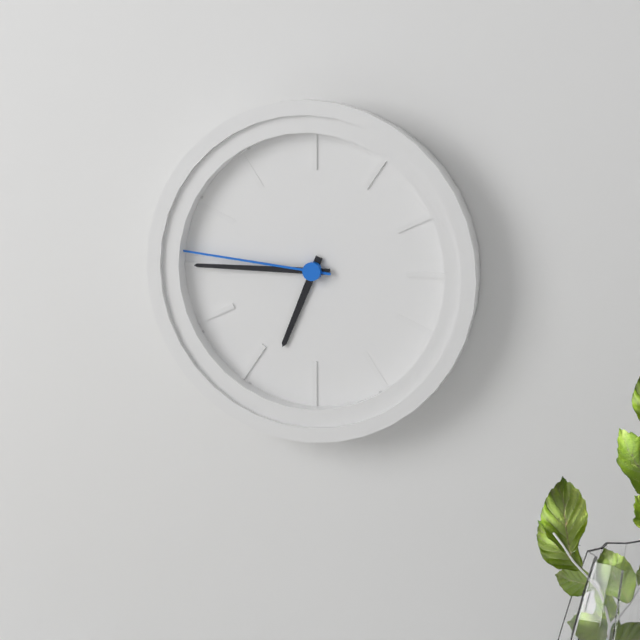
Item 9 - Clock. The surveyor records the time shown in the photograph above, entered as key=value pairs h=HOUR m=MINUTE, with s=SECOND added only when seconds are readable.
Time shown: h=6 m=45 s=46
